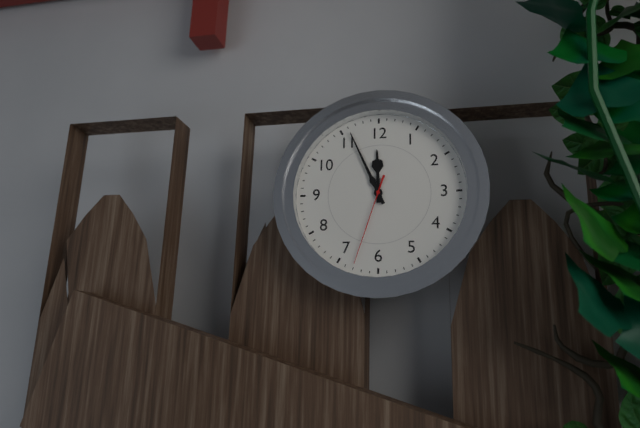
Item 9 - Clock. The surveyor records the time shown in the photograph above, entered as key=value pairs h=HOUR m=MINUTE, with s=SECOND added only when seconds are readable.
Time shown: h=11 m=56 s=33
